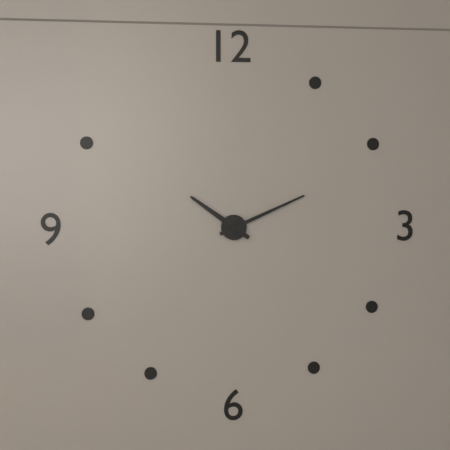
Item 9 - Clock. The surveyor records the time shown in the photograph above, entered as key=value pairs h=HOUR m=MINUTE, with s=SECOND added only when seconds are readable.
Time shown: h=10 m=11
